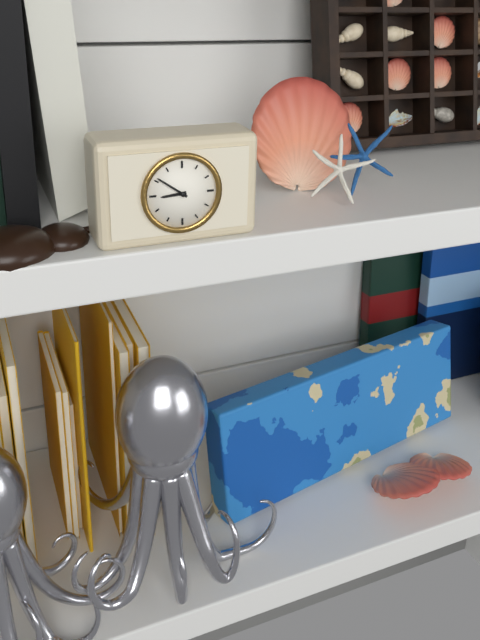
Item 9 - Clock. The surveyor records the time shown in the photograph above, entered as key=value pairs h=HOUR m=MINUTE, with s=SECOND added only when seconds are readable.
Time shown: h=8 m=51
